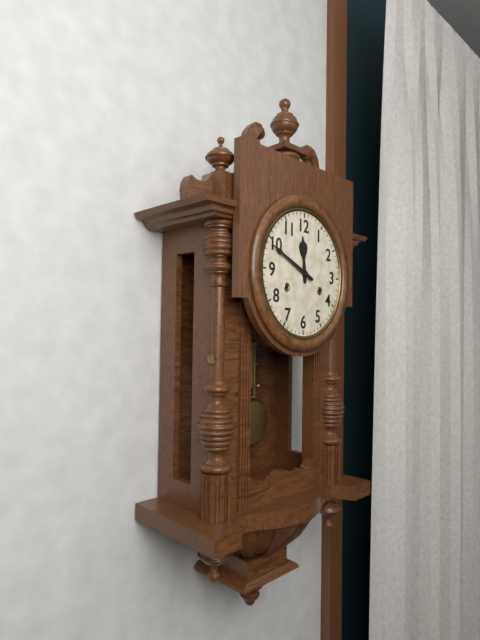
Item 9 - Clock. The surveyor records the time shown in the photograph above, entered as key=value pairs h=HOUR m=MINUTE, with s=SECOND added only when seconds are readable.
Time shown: h=11 m=49
